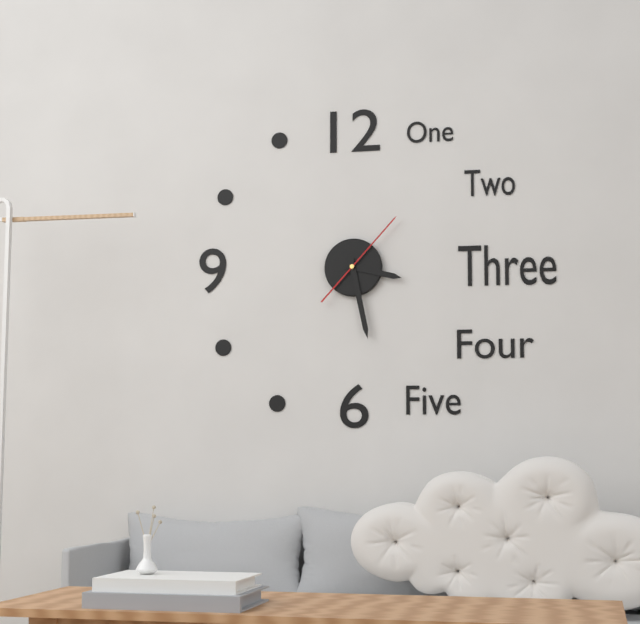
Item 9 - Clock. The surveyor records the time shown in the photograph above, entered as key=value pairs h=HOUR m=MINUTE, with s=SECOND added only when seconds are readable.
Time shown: h=3 m=28 s=7
